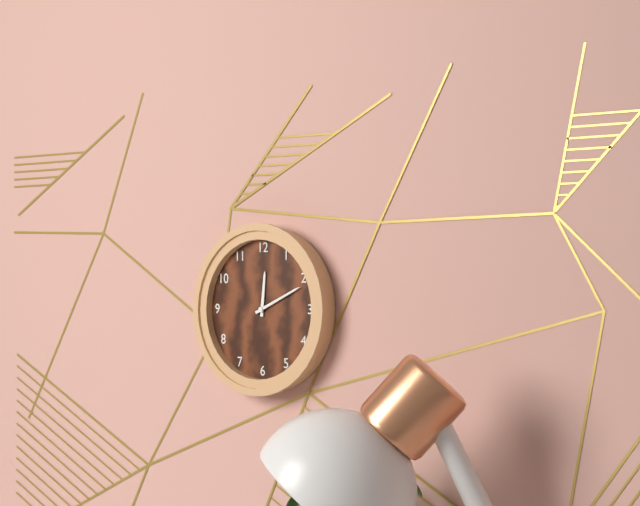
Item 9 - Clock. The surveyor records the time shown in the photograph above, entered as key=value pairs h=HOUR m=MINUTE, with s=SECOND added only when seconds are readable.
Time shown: h=12 m=11
